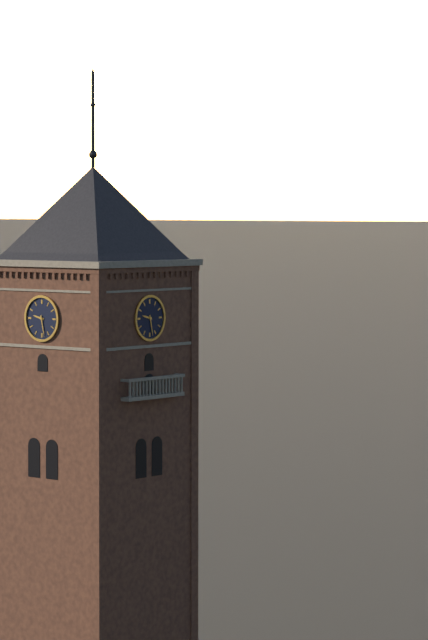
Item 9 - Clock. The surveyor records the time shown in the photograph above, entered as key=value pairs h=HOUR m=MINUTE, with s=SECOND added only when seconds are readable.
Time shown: h=9 m=28
